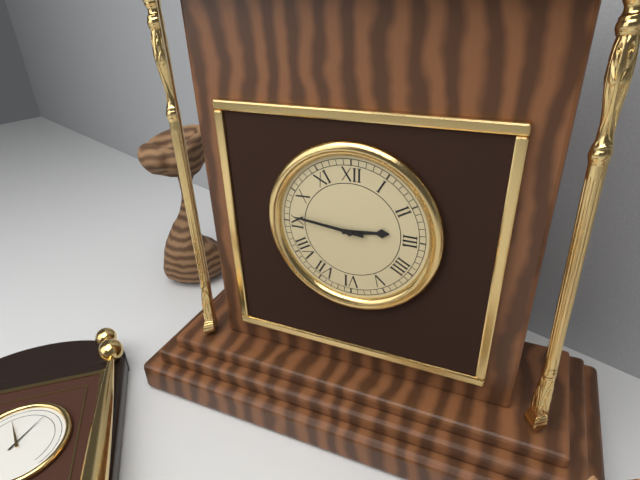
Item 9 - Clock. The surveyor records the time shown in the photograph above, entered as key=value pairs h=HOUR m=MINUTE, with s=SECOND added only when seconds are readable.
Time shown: h=2 m=46
